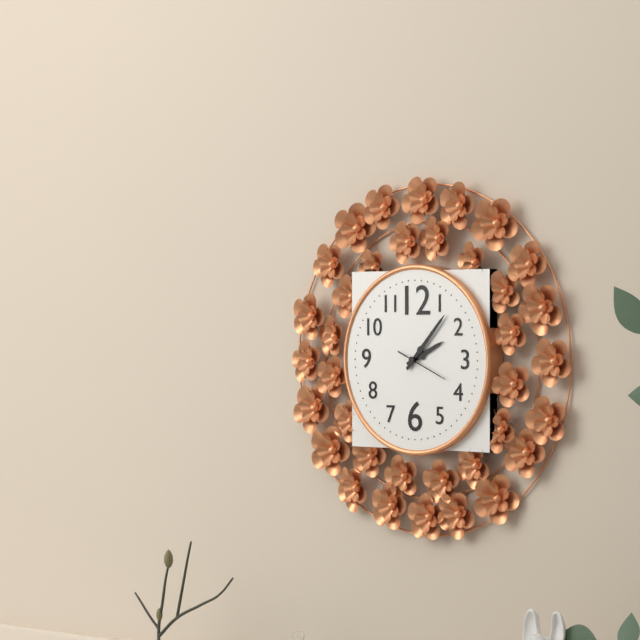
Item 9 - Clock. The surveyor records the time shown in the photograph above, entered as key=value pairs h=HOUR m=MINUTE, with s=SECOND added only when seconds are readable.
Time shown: h=2 m=7
